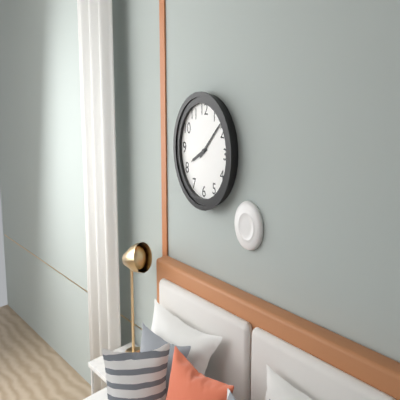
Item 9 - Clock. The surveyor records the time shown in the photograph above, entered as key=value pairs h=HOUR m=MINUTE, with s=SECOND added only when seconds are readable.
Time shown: h=8 m=8
